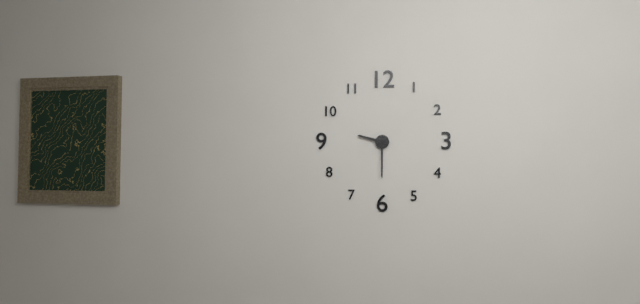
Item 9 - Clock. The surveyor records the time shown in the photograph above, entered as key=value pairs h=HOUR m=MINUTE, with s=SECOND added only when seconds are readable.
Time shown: h=9 m=30
